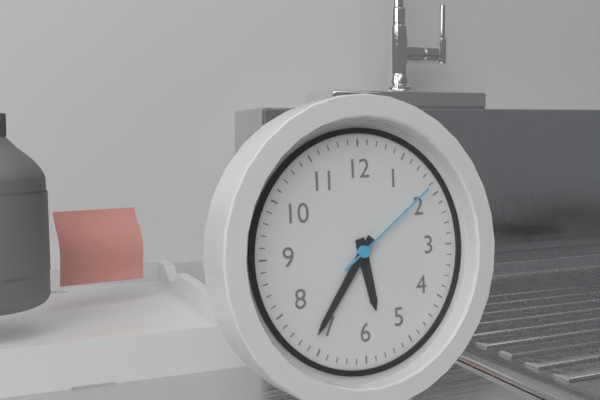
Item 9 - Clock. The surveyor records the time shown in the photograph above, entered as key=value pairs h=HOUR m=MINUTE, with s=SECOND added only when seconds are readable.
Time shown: h=5 m=36 s=9
